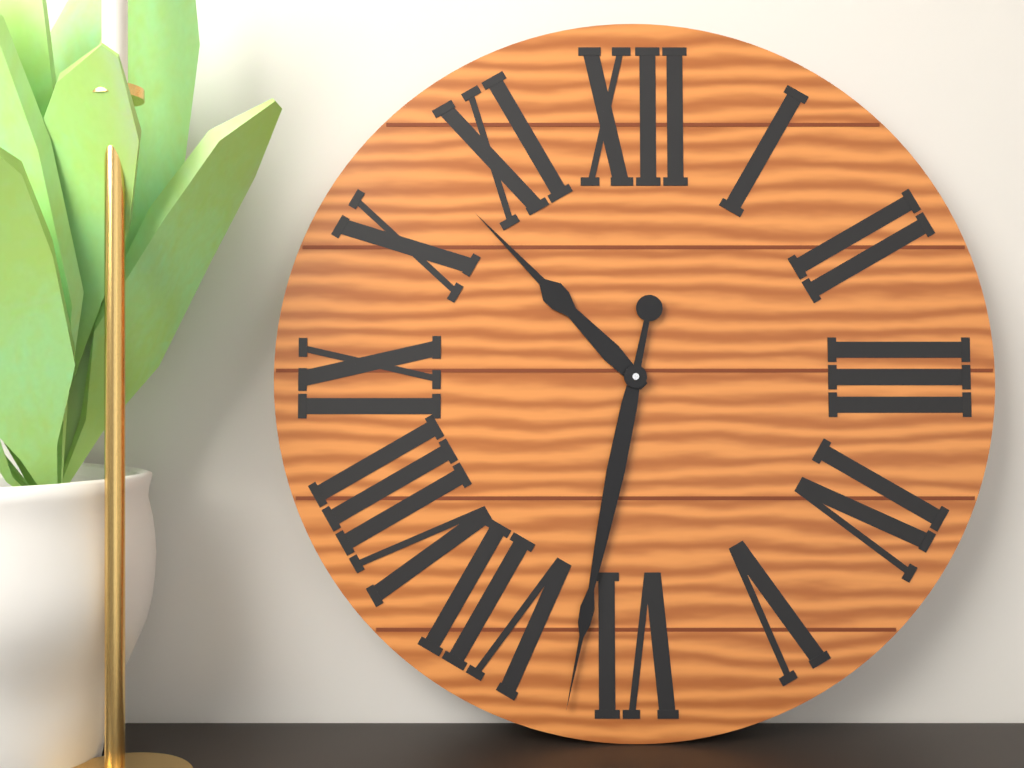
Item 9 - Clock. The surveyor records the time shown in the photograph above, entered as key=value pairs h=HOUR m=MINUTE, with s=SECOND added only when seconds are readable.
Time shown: h=10 m=32
